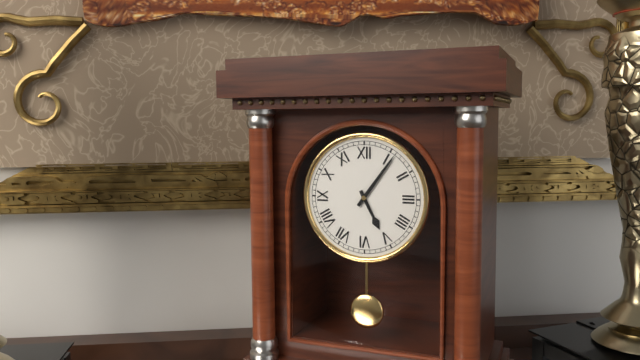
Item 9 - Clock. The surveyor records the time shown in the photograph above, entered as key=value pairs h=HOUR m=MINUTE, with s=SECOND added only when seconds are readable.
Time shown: h=5 m=6
